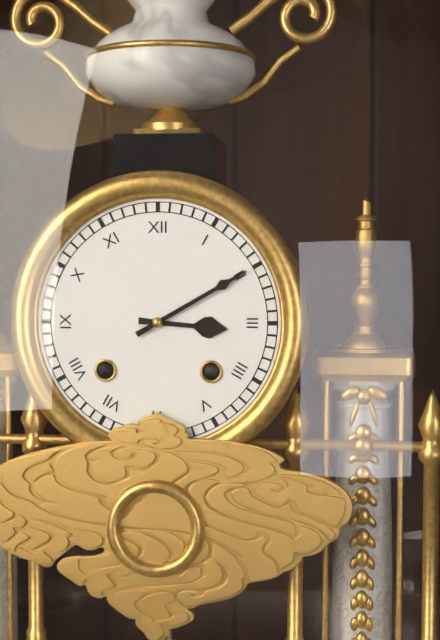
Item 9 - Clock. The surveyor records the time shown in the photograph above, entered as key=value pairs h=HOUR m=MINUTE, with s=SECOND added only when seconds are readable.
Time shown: h=3 m=10
